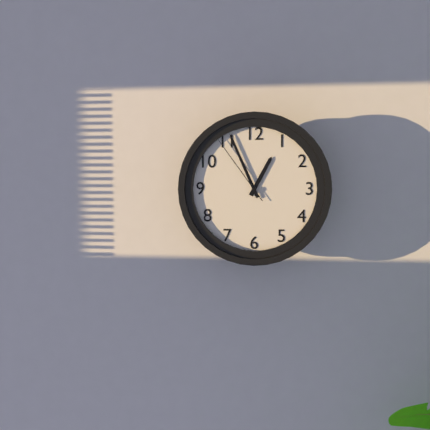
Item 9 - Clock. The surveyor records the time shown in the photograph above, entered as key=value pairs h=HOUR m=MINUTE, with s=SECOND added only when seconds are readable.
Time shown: h=12 m=56 s=54
